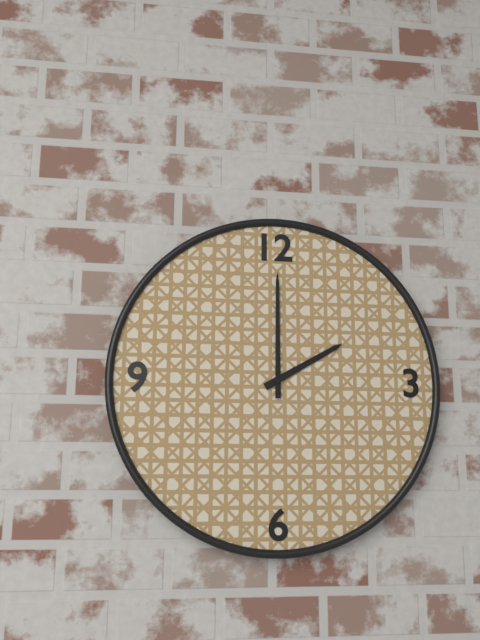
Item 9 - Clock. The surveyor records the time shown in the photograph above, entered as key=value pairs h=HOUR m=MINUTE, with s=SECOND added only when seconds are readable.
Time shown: h=2 m=0
